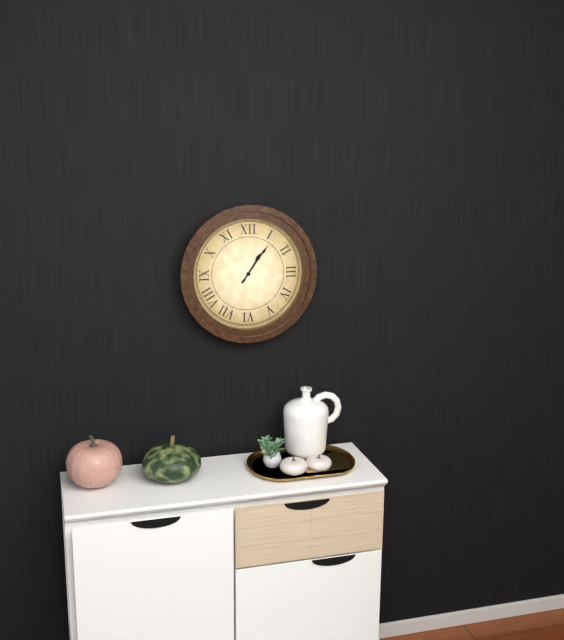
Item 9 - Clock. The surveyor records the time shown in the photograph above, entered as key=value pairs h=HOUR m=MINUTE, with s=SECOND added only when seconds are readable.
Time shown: h=1 m=6
